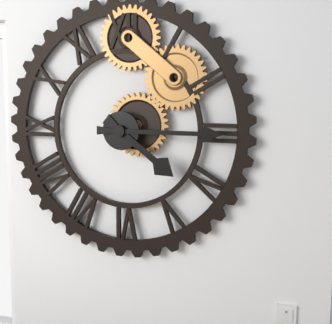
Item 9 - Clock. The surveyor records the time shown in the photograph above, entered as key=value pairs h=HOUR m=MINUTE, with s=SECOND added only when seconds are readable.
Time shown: h=4 m=15
